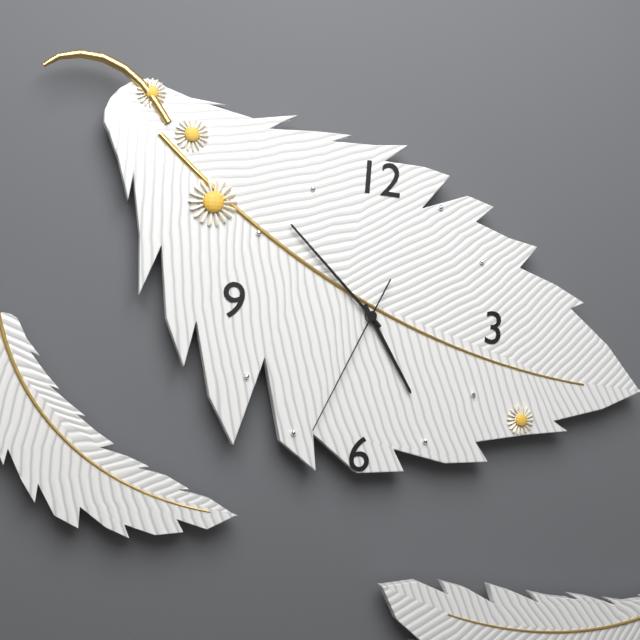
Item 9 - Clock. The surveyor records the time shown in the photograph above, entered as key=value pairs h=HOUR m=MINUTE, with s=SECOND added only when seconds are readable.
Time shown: h=4 m=52 s=34
